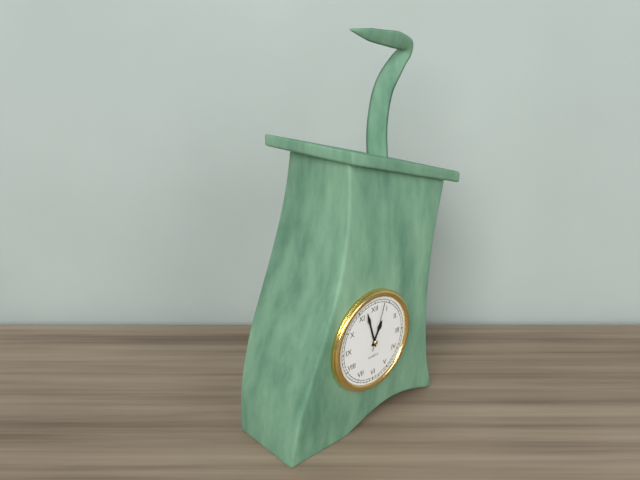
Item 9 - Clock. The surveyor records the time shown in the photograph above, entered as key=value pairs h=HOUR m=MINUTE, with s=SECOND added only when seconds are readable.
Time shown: h=12 m=57 s=3
